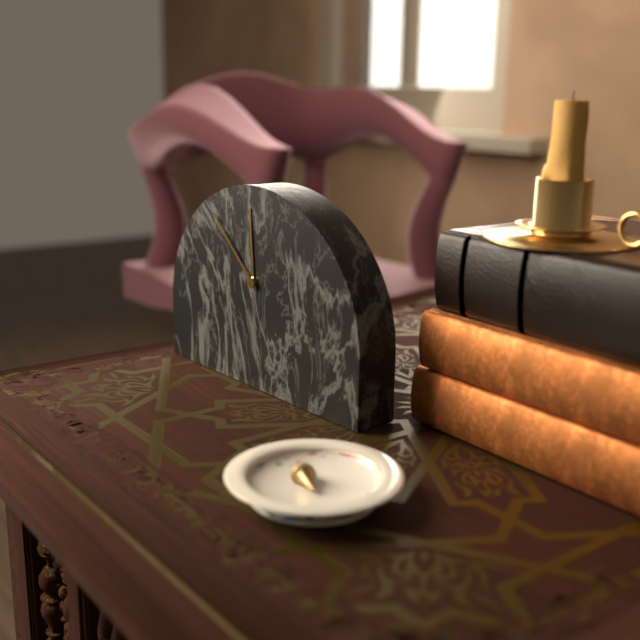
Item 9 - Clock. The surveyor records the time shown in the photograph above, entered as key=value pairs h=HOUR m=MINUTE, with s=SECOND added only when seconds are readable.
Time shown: h=11 m=52
